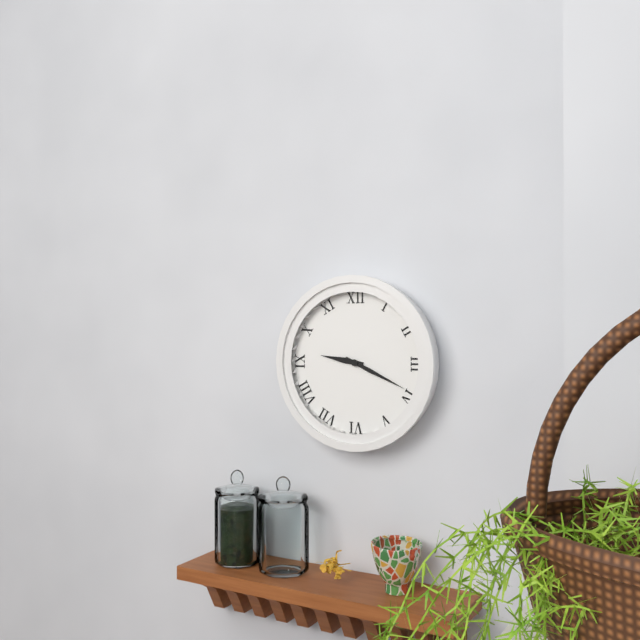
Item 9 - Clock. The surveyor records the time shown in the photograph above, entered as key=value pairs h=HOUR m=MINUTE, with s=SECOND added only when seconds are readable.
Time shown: h=9 m=19
